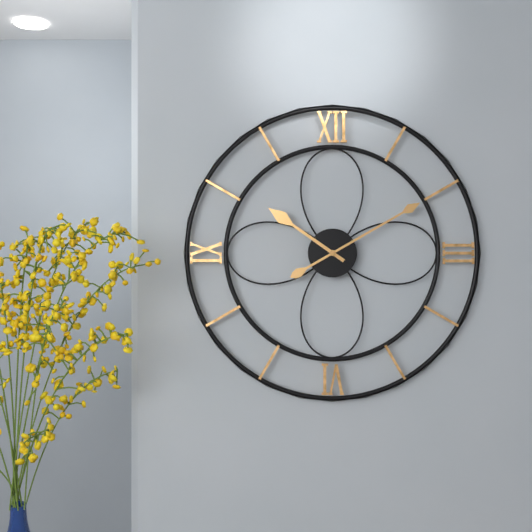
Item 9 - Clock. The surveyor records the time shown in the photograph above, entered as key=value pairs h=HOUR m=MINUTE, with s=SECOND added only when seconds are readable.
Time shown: h=10 m=10
